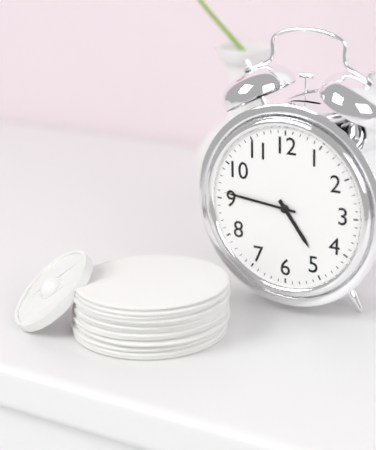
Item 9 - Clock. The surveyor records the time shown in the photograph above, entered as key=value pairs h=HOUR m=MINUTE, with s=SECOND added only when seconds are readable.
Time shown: h=4 m=46
